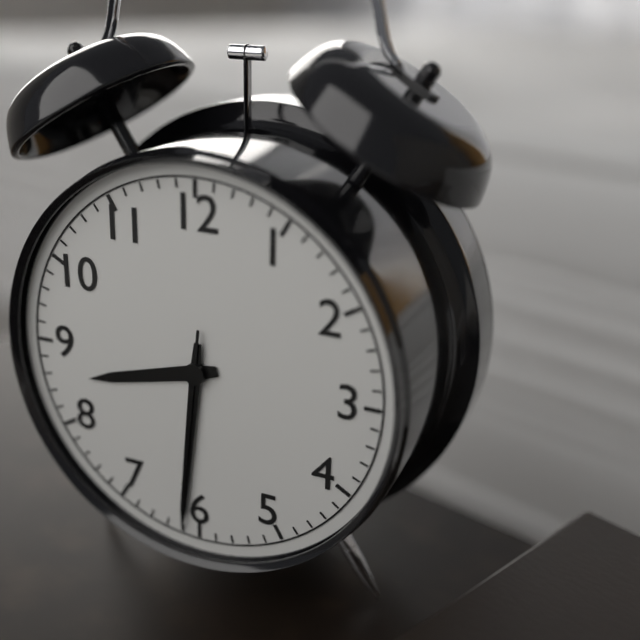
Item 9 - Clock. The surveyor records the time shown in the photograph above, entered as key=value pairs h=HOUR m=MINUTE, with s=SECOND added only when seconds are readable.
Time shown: h=8 m=31 s=31
